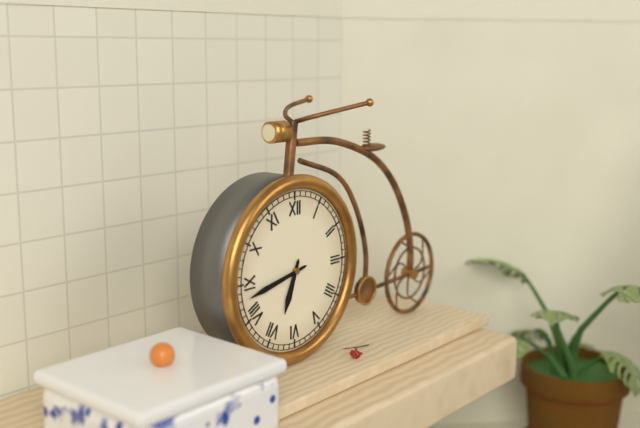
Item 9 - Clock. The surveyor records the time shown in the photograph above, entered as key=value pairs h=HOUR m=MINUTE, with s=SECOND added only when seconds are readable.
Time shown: h=6 m=43
